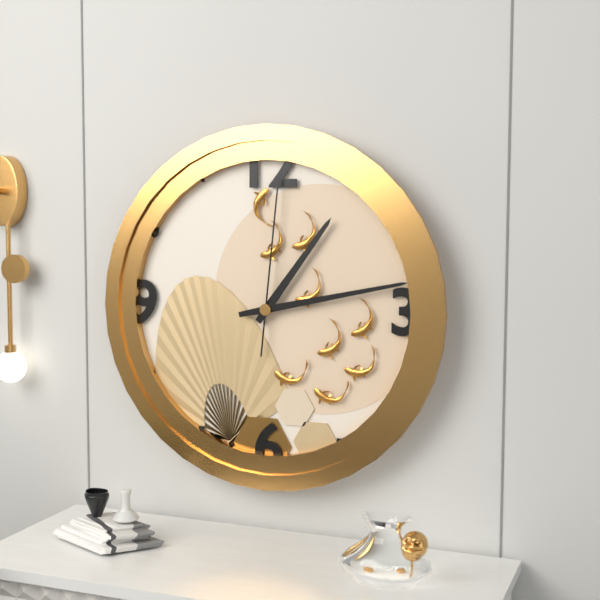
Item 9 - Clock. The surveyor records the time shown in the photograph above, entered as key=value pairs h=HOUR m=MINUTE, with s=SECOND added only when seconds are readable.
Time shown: h=1 m=13 s=1
